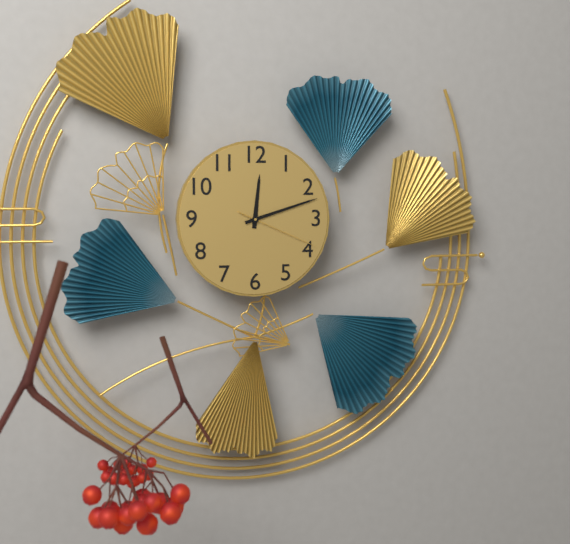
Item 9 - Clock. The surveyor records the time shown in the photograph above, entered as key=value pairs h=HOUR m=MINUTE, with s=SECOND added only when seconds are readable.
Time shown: h=12 m=12 s=19
